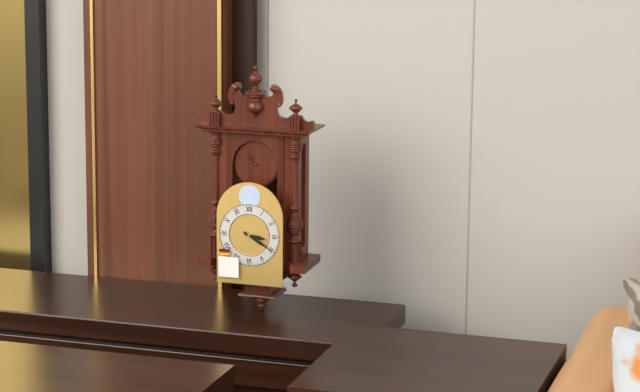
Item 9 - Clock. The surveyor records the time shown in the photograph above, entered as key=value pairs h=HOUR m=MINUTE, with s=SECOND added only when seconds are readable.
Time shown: h=3 m=20
